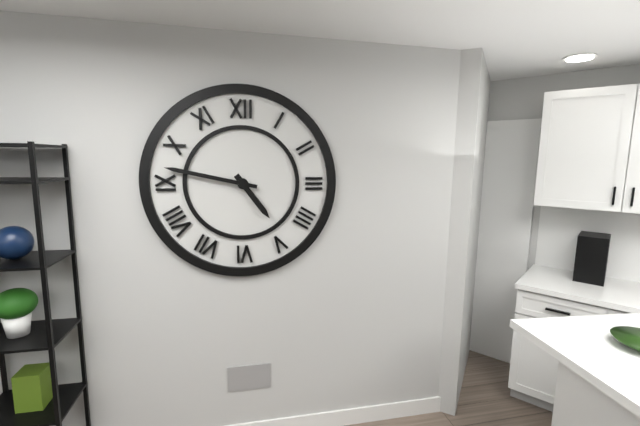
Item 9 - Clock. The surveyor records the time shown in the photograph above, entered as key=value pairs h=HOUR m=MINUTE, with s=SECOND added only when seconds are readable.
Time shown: h=4 m=47
